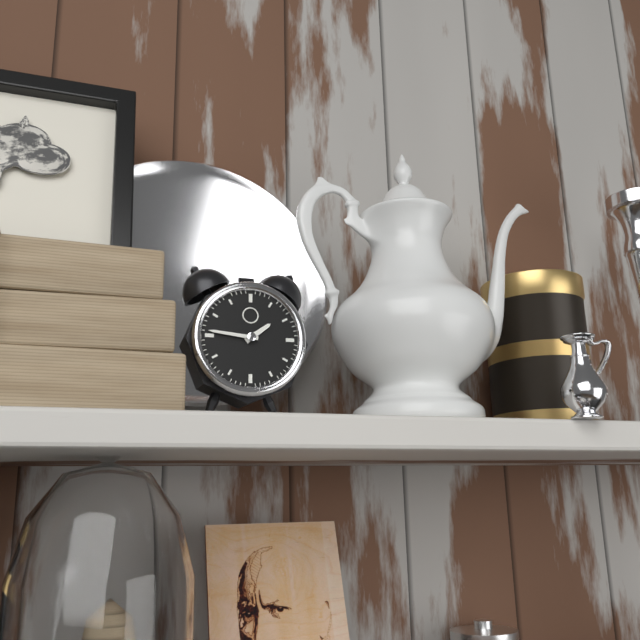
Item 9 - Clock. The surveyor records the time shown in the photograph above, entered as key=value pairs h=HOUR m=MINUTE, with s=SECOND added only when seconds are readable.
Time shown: h=1 m=46
